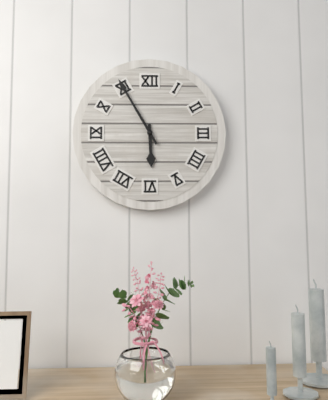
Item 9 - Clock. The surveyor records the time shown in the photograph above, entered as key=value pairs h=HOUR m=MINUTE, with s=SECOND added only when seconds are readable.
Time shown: h=5 m=55
